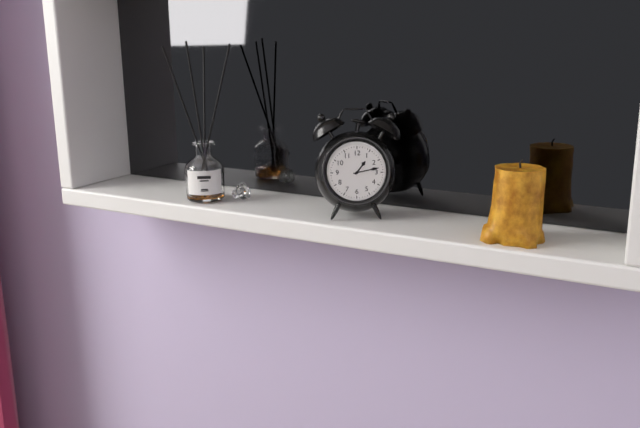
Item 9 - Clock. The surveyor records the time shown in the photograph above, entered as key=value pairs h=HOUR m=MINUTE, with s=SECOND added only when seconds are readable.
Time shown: h=1 m=13
